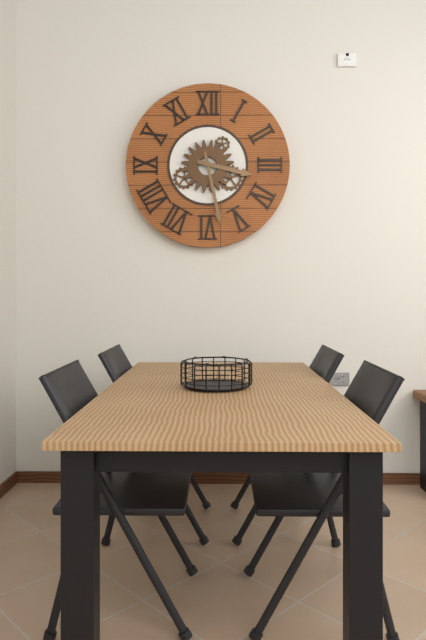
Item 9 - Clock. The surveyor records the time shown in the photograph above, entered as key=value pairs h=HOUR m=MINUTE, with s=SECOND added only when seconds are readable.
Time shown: h=3 m=28
